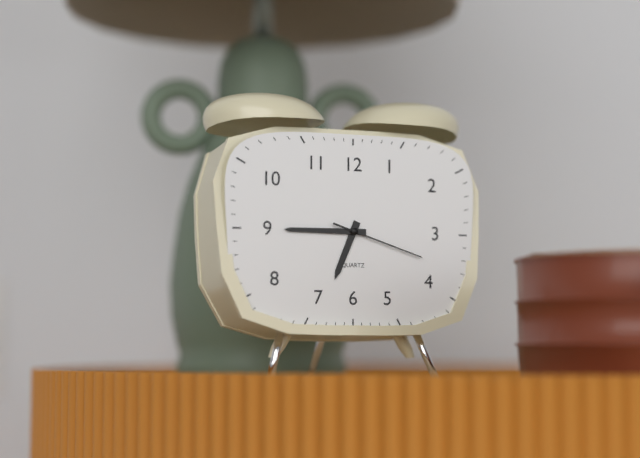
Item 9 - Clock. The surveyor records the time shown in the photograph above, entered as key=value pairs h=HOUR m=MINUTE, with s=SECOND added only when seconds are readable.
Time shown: h=6 m=45 s=18
